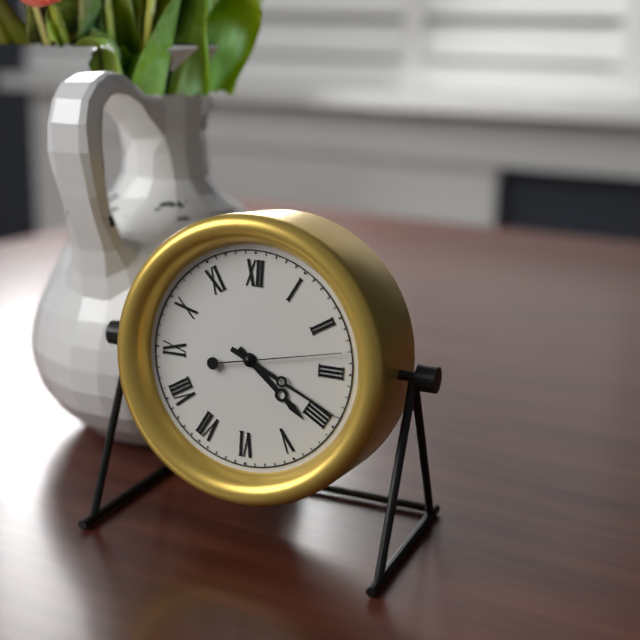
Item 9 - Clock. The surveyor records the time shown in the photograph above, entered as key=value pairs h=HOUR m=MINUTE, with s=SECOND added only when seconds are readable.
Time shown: h=4 m=19 s=13
